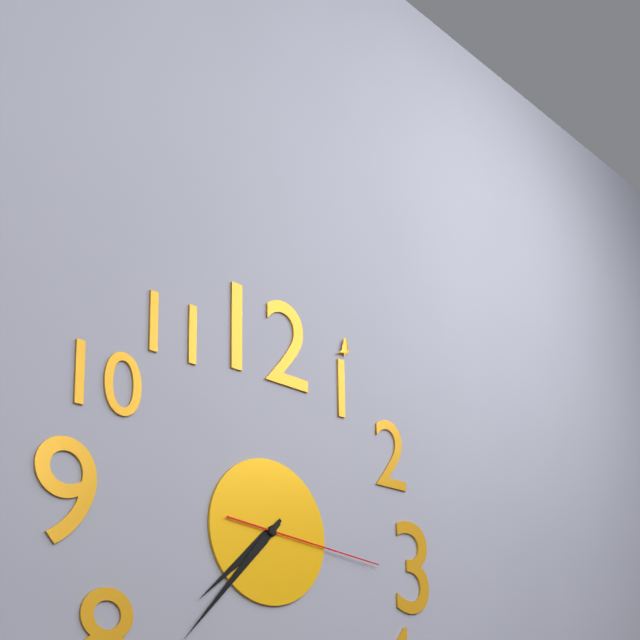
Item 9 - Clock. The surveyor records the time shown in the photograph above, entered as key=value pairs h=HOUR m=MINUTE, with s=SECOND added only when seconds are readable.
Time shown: h=7 m=37 s=16
